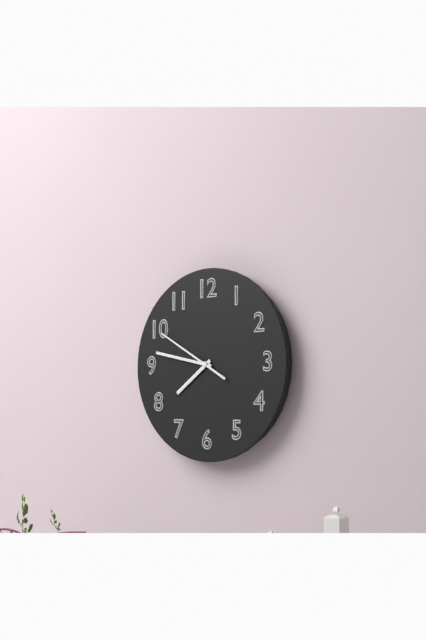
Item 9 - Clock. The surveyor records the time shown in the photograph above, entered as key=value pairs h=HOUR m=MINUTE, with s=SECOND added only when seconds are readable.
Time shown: h=7 m=47 s=50
